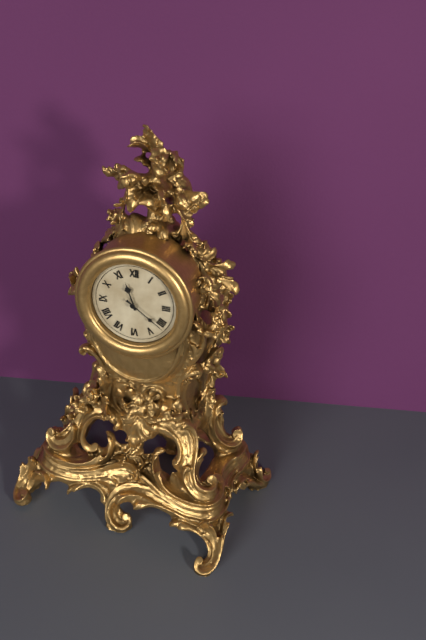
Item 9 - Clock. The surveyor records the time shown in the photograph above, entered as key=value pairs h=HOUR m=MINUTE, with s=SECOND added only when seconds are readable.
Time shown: h=11 m=21
